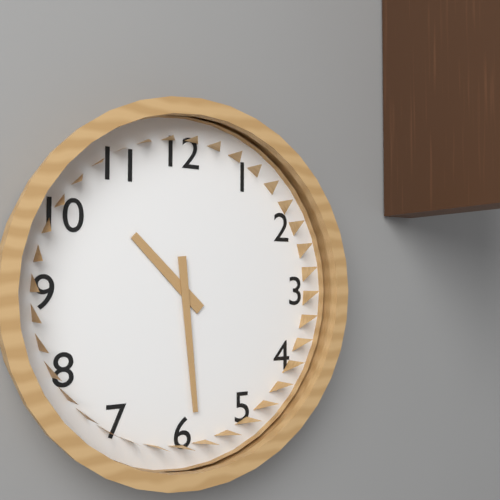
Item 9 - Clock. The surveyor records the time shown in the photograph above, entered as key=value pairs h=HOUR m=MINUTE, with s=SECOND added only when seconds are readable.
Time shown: h=10 m=29
